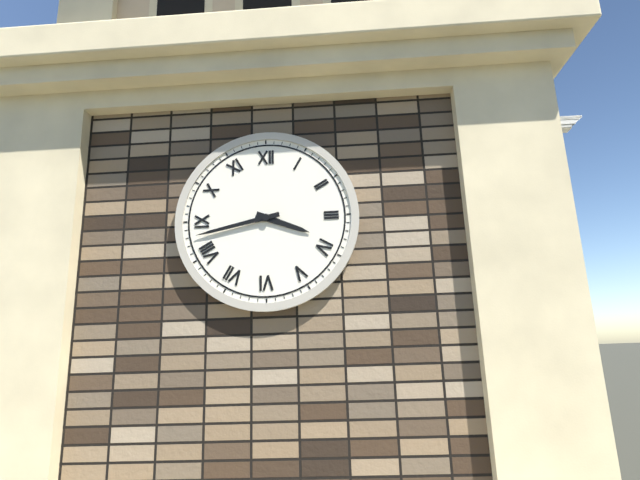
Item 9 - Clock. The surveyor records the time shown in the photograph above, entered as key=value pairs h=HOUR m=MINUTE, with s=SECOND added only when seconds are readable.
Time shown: h=3 m=43
